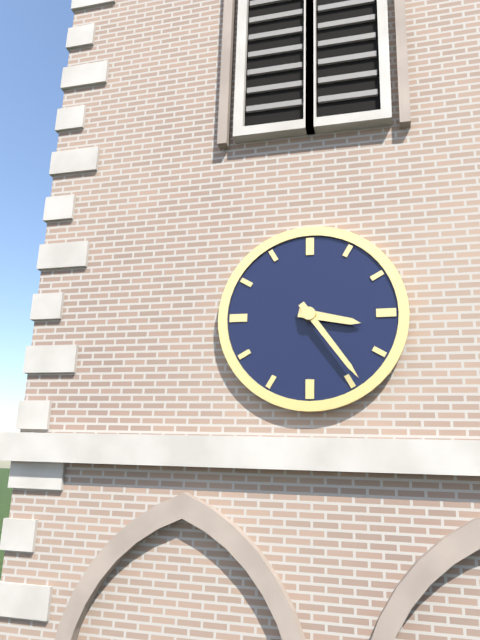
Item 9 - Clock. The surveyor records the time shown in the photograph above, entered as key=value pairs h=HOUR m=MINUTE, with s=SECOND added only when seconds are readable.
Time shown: h=3 m=24
